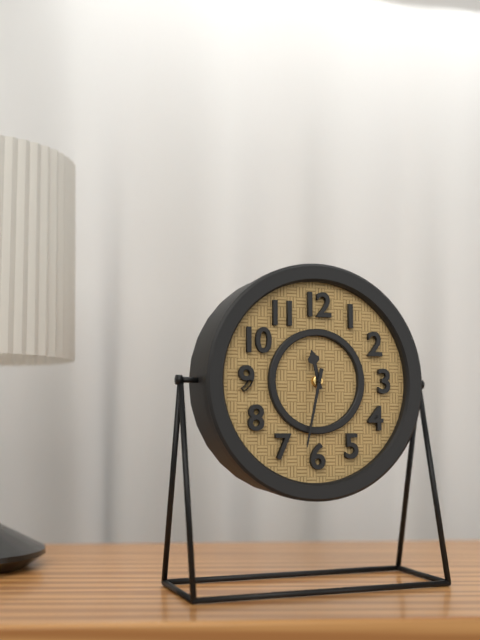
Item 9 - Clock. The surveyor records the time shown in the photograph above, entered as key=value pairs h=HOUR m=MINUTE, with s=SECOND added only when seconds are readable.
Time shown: h=11 m=32
